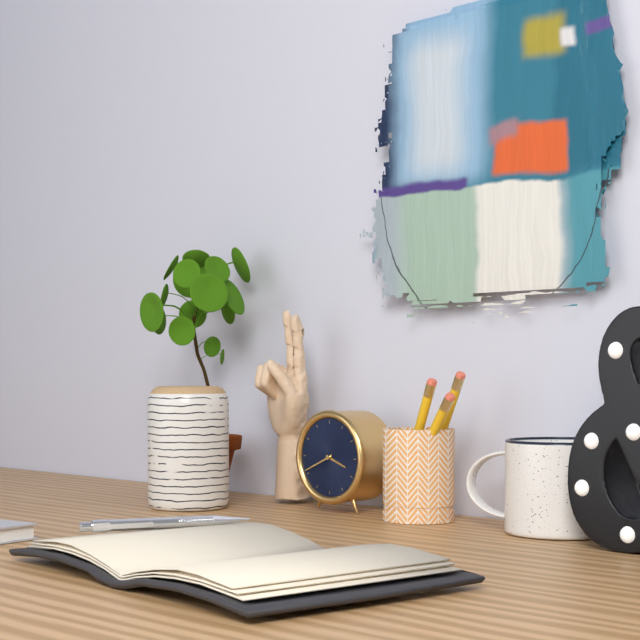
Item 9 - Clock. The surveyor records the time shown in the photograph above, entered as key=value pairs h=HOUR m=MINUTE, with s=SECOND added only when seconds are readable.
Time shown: h=3 m=41
